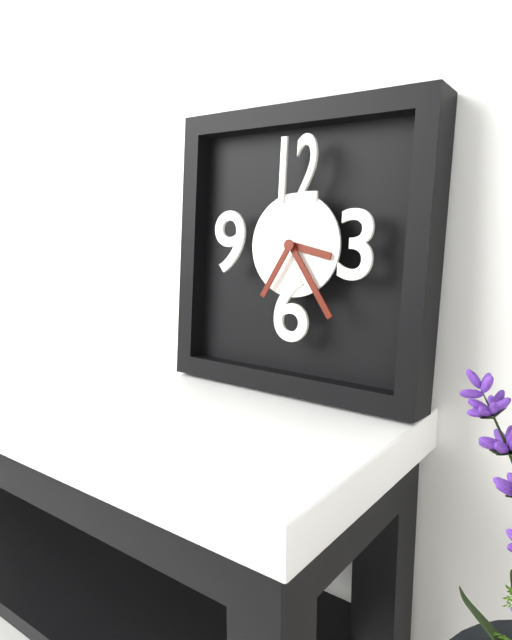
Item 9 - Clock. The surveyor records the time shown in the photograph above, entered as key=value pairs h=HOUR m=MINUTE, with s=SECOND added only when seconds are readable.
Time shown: h=3 m=24 s=35
